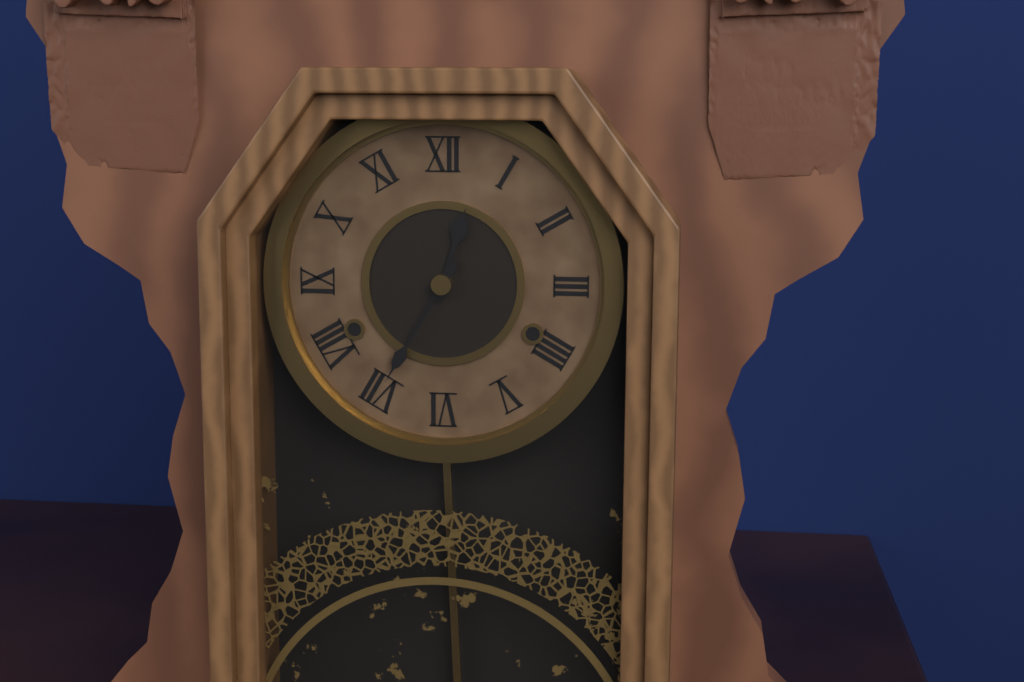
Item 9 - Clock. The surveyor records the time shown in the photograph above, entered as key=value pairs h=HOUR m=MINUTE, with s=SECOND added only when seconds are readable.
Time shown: h=12 m=35
